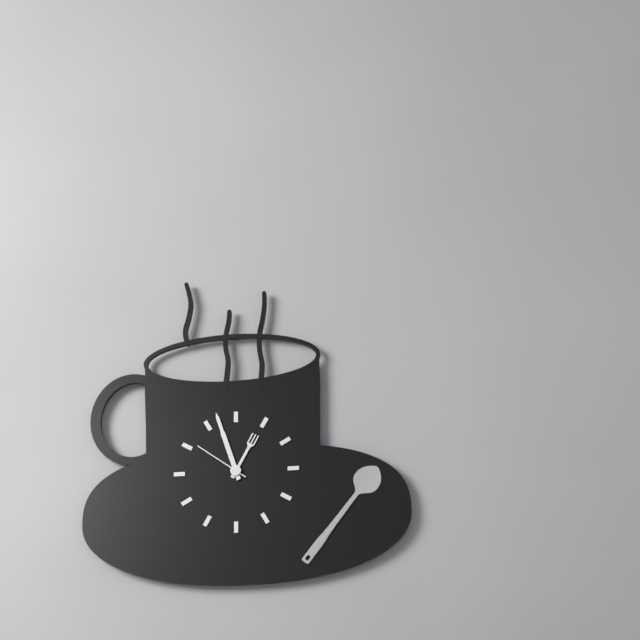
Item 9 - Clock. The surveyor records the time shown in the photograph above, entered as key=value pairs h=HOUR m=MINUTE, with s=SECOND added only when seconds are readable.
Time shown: h=12 m=57 s=51
